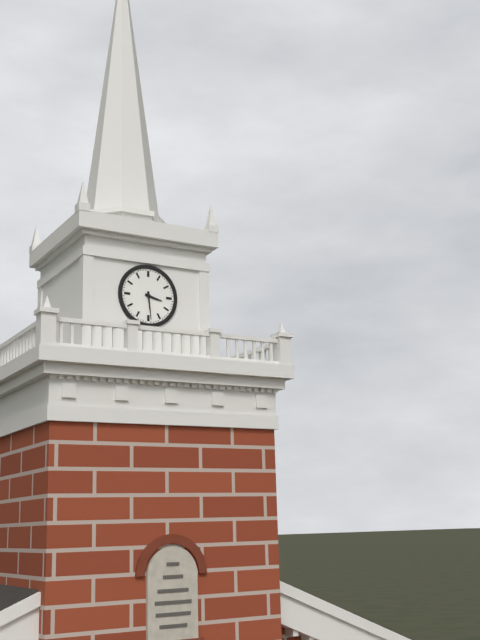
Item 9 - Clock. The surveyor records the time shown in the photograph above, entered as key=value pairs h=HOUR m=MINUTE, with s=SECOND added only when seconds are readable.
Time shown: h=3 m=29
